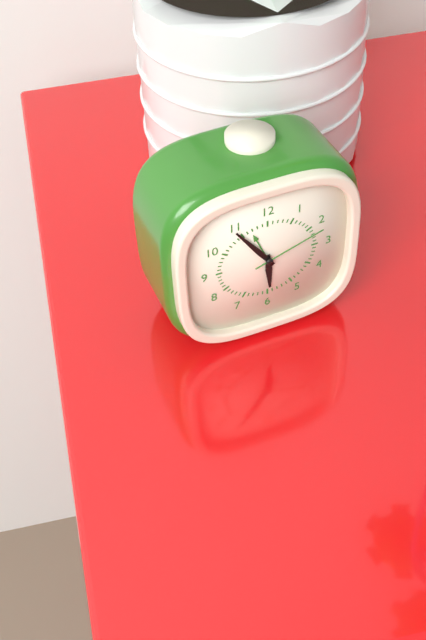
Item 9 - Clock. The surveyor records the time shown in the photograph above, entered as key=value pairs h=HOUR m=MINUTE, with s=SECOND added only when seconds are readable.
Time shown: h=5 m=54 s=12
